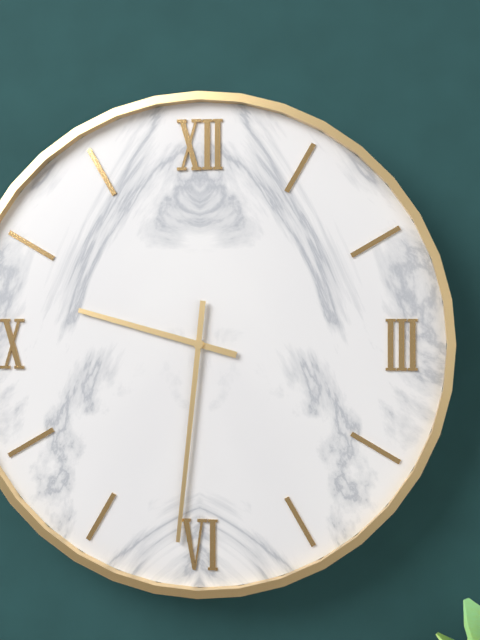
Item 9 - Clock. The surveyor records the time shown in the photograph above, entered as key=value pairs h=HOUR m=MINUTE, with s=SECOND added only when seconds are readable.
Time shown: h=9 m=31
